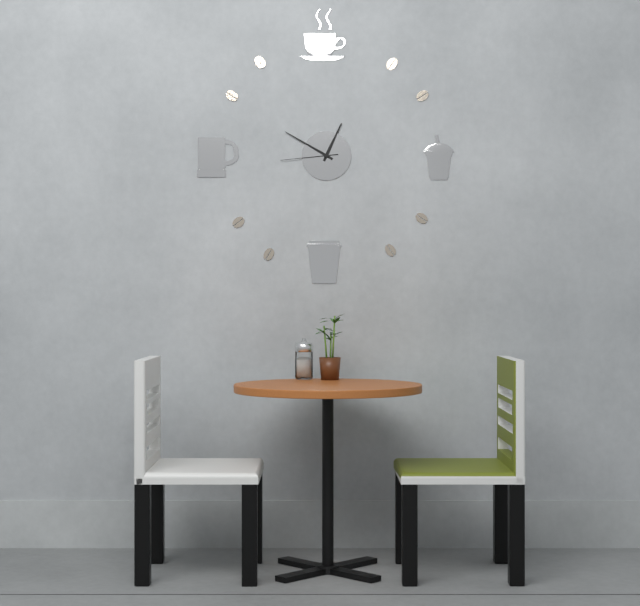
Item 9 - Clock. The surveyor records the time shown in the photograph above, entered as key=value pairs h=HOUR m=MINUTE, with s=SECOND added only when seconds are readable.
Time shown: h=12 m=50 s=44
